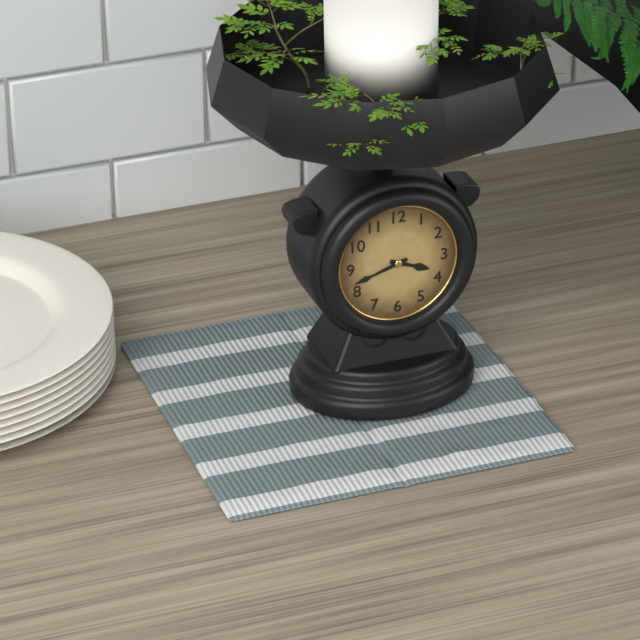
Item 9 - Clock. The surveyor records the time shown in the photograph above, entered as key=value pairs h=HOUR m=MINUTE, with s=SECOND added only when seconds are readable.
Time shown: h=3 m=42
